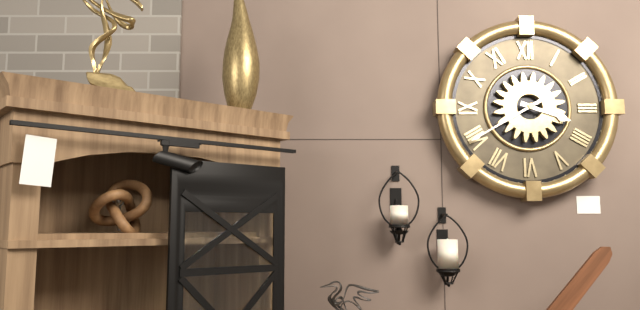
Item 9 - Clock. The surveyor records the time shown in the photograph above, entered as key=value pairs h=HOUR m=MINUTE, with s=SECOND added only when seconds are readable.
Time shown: h=3 m=40
